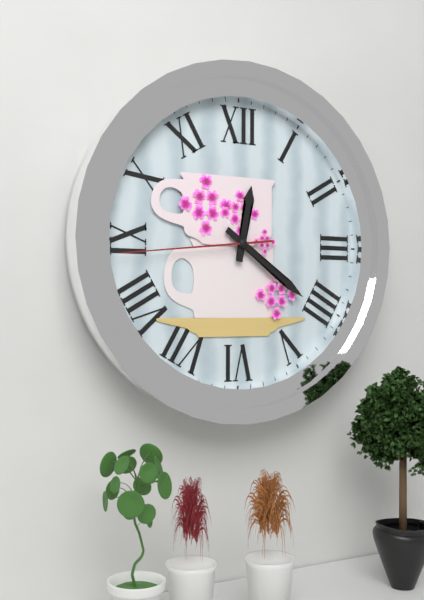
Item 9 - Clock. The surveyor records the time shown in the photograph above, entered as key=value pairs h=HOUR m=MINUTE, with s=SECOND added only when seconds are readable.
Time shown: h=12 m=21 s=44
